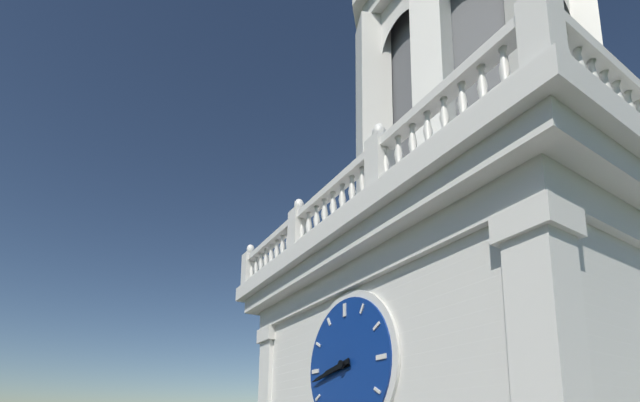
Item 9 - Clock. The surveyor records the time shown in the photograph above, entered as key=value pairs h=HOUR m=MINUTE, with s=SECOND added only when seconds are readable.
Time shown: h=8 m=43
